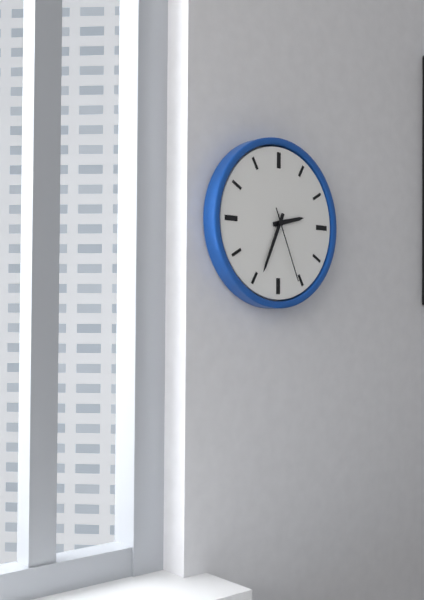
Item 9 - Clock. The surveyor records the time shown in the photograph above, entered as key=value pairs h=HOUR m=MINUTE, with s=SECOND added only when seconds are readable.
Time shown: h=2 m=34 s=26
